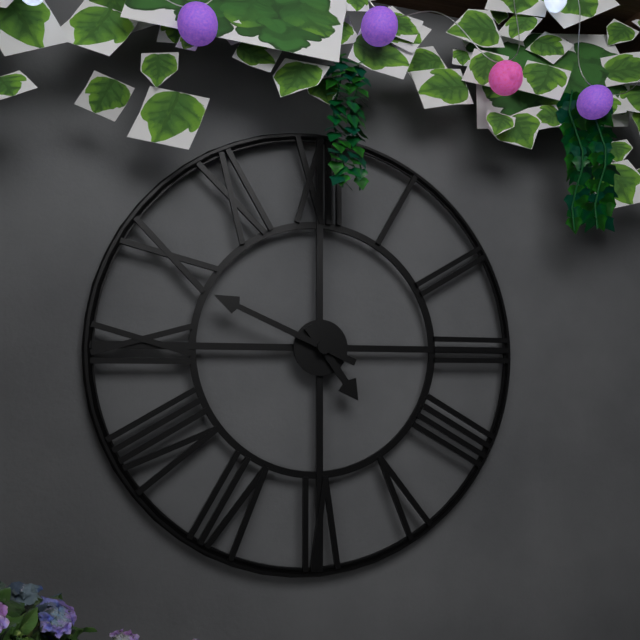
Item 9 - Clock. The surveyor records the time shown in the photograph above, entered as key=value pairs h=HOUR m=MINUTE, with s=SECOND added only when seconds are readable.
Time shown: h=4 m=49
